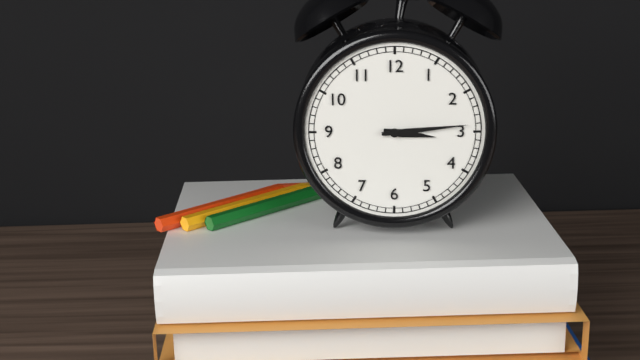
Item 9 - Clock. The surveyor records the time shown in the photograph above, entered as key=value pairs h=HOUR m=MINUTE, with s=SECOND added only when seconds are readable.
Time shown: h=3 m=14
